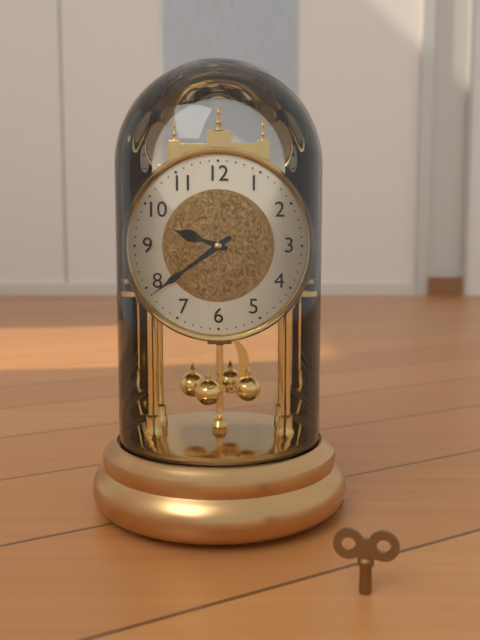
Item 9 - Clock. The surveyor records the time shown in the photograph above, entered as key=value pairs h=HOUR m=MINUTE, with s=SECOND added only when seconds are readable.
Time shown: h=9 m=39
